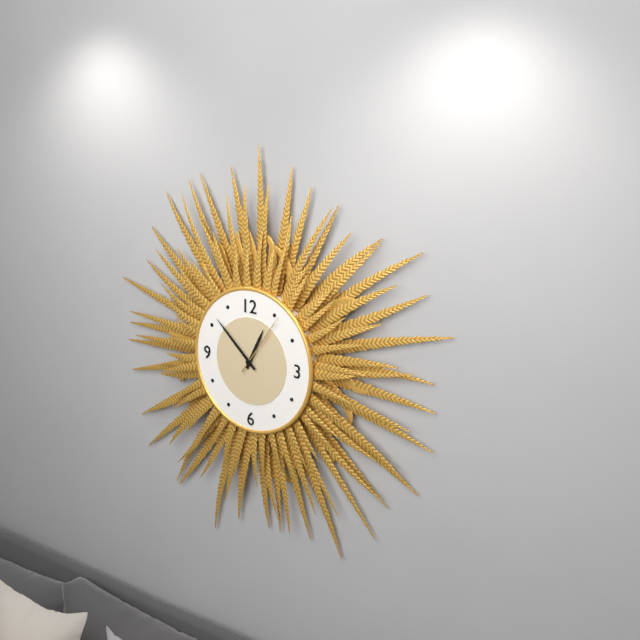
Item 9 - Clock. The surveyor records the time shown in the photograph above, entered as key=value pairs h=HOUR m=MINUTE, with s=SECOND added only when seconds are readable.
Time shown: h=12 m=52 s=6
